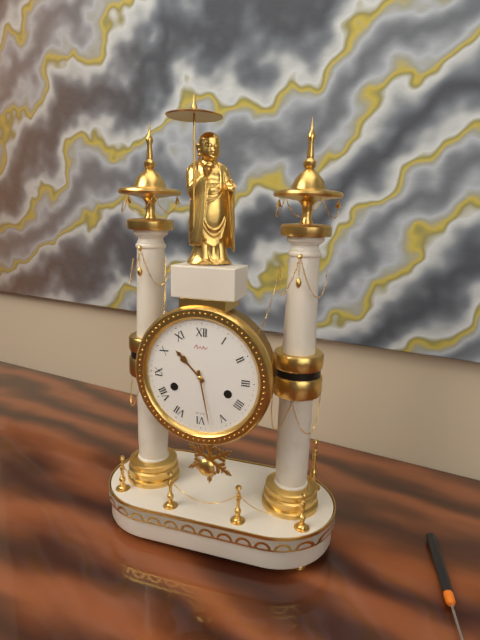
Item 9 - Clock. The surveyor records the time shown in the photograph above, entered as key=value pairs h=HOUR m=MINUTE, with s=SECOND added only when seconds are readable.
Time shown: h=10 m=28
